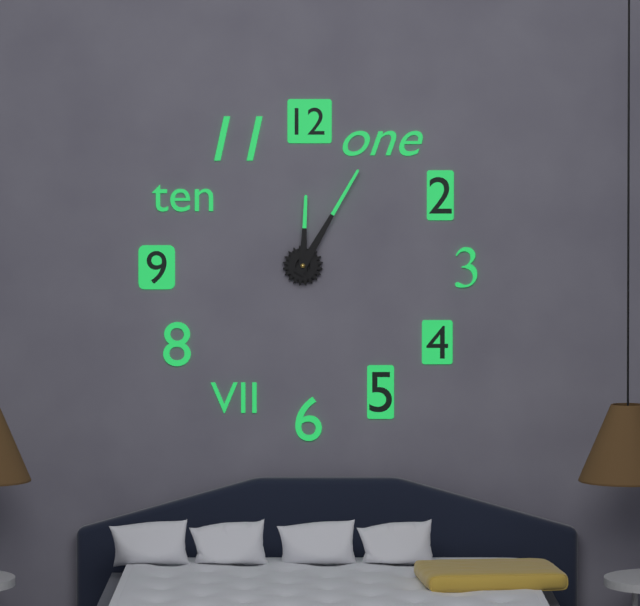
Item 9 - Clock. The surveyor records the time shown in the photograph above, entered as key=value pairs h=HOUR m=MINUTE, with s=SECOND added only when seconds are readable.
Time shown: h=12 m=5
